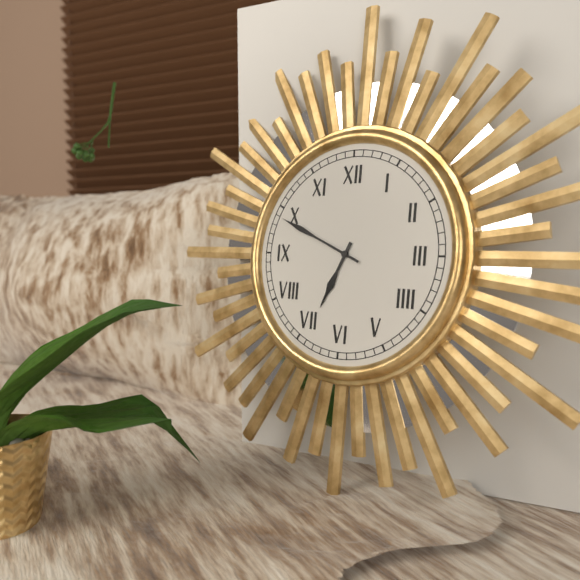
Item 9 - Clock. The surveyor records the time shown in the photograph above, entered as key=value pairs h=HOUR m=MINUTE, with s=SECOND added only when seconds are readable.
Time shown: h=6 m=49
